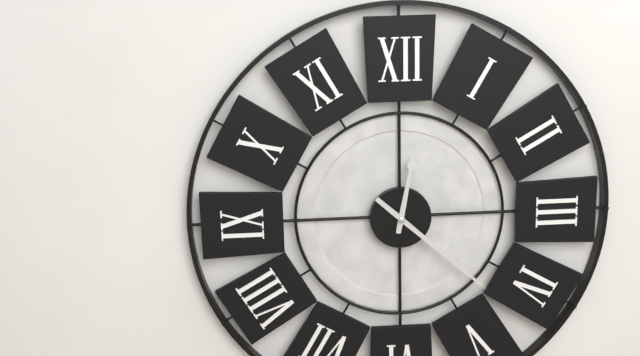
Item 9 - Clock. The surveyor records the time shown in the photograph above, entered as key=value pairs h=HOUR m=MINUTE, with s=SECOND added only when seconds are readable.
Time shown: h=12 m=22
